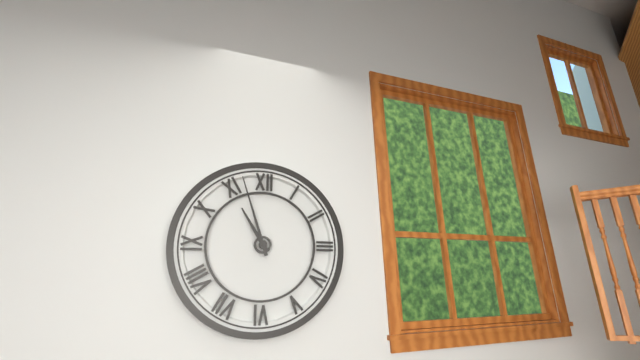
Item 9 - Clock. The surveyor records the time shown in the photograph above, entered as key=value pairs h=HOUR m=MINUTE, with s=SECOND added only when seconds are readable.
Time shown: h=10 m=57
